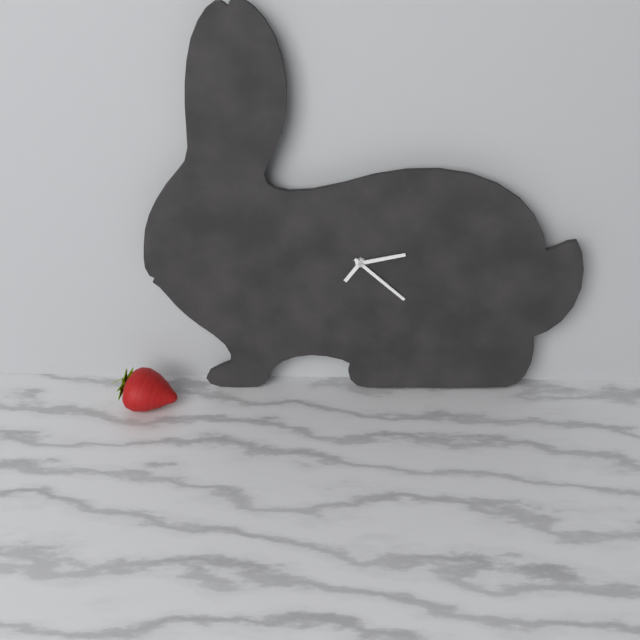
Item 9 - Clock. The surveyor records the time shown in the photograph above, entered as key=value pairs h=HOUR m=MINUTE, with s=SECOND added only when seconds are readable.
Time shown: h=7 m=13 s=22
